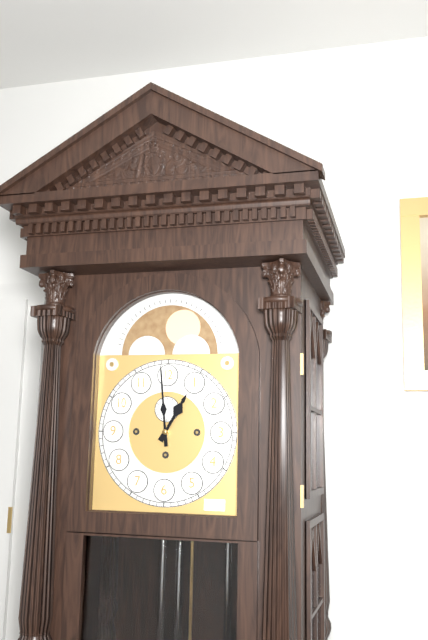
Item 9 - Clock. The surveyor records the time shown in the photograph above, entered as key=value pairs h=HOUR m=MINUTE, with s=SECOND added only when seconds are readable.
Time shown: h=12 m=59
